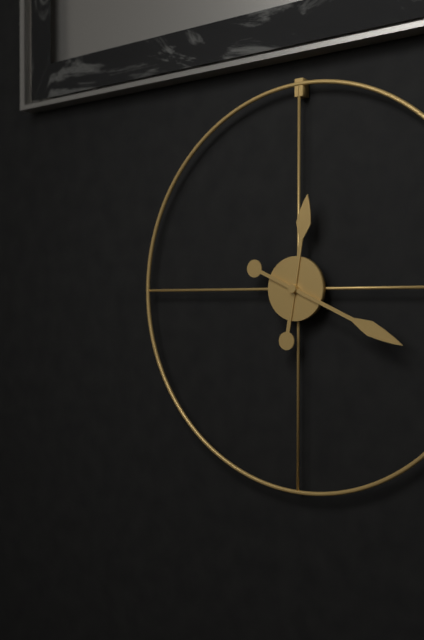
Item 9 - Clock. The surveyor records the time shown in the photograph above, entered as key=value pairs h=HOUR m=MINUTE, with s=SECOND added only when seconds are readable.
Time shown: h=12 m=19
